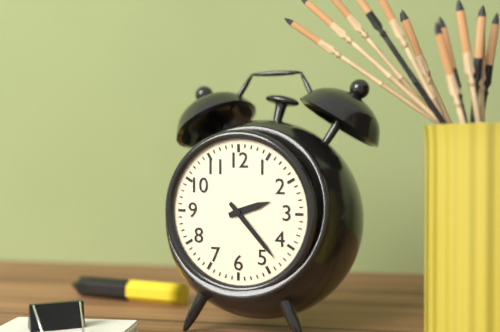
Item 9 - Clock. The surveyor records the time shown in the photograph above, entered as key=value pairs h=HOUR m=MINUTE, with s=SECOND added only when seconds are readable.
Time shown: h=2 m=23
